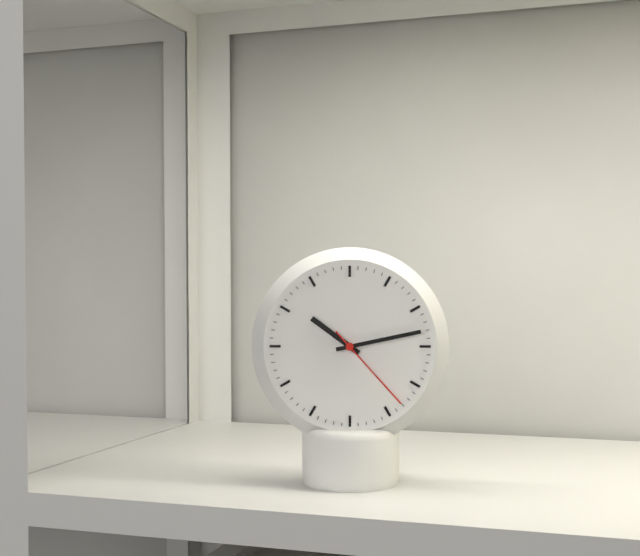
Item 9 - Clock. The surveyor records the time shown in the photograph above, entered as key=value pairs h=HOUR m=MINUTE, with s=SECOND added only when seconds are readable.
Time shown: h=10 m=13 s=23
